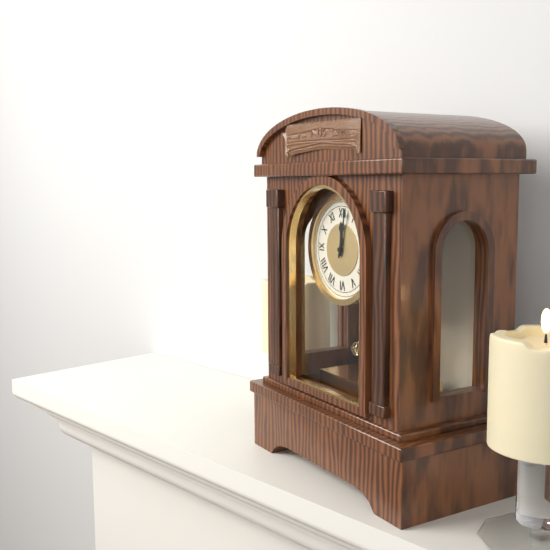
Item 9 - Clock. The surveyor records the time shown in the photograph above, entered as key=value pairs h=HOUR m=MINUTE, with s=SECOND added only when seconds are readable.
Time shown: h=12 m=2
